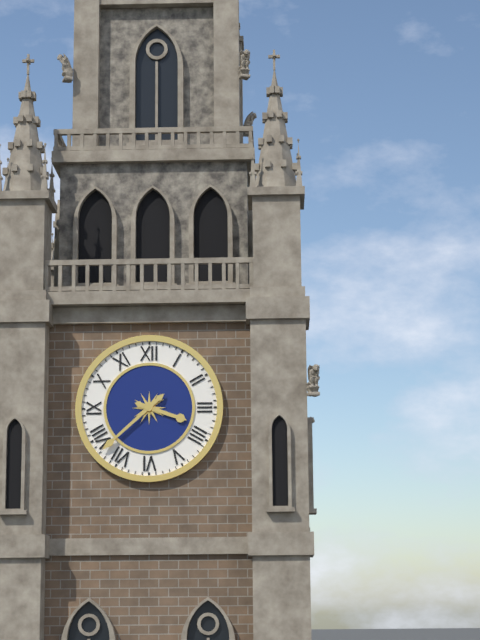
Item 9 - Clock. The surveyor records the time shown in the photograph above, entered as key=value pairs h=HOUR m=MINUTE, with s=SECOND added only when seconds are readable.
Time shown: h=3 m=38
